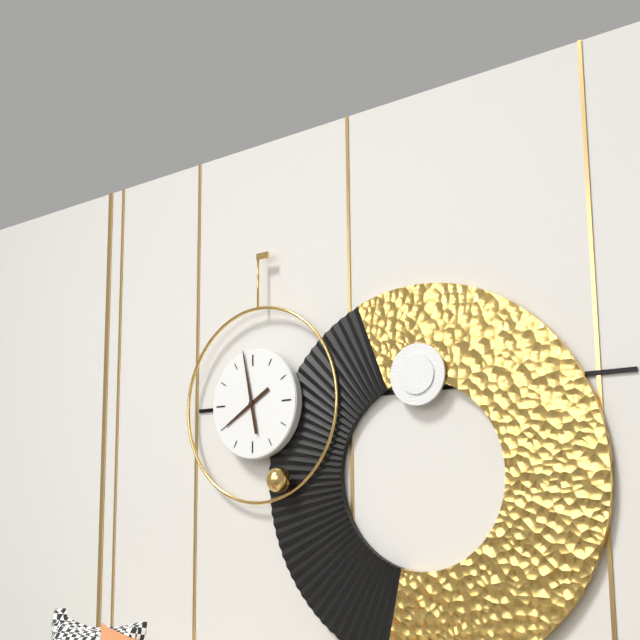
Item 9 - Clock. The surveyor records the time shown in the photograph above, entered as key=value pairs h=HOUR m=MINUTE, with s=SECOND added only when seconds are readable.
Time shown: h=7 m=58
